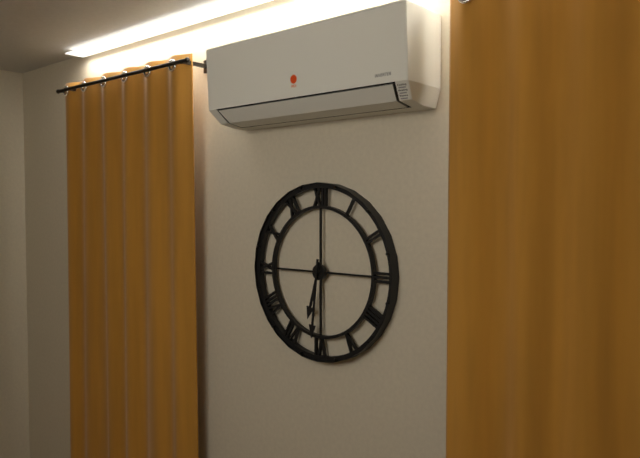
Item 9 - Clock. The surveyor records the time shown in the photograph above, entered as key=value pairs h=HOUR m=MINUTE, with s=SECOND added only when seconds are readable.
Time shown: h=6 m=31
